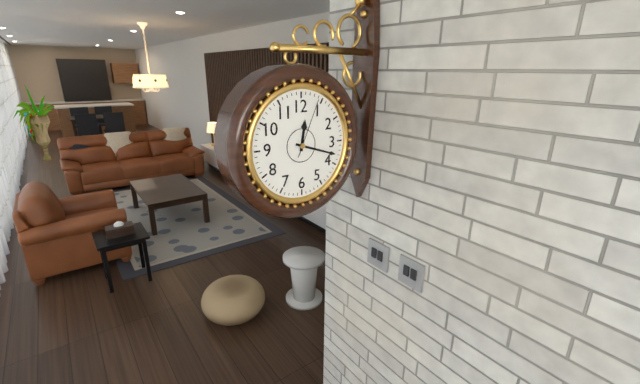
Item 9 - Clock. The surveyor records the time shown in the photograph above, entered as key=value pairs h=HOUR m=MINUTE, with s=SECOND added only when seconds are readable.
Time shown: h=12 m=18 s=4
